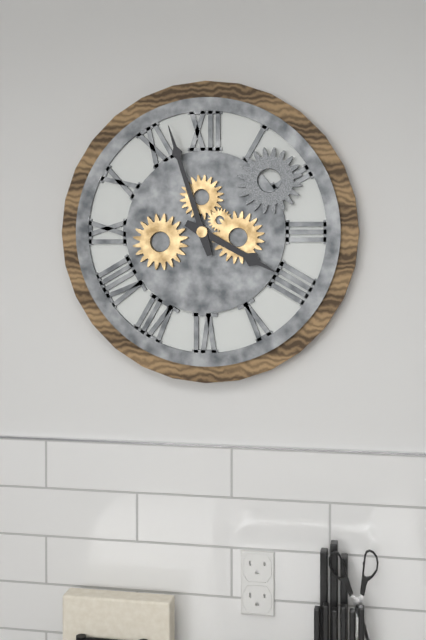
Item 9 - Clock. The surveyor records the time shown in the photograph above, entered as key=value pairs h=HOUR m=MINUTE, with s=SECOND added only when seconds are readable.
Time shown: h=3 m=57
